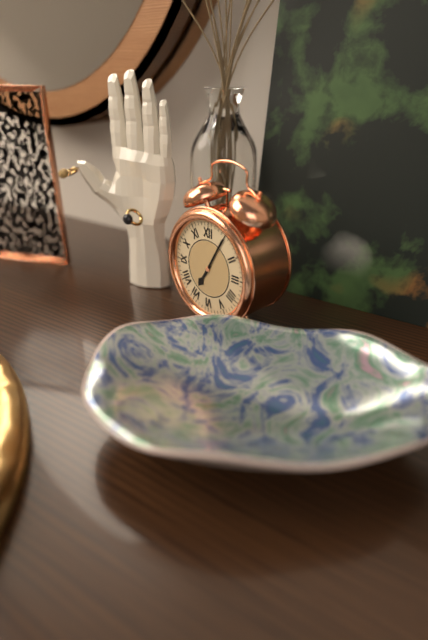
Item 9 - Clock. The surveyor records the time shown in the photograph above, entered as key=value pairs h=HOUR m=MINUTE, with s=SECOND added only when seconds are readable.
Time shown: h=7 m=5
